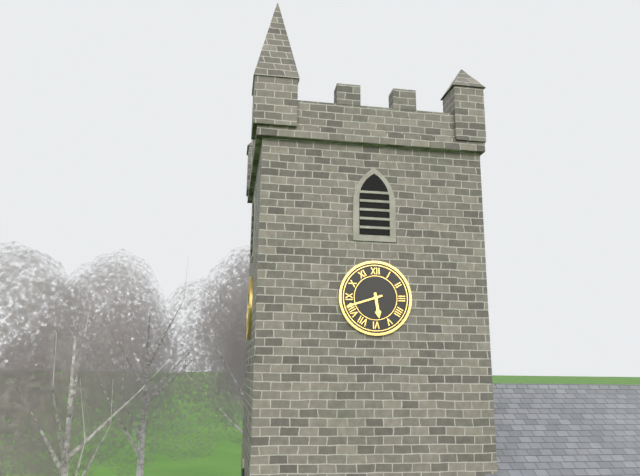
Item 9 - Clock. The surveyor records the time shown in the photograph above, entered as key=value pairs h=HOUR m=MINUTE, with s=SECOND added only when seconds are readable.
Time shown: h=5 m=42
